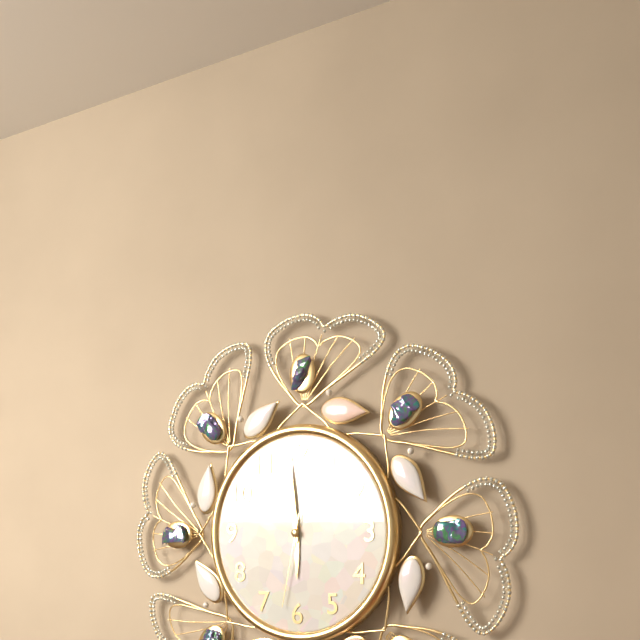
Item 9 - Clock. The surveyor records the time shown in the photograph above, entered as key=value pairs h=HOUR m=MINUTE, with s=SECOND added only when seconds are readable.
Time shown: h=5 m=59 s=32
